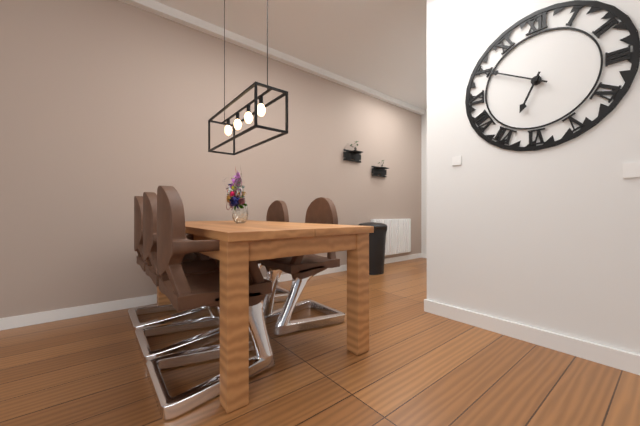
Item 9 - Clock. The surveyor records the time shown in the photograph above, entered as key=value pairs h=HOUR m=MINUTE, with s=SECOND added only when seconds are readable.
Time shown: h=6 m=50
